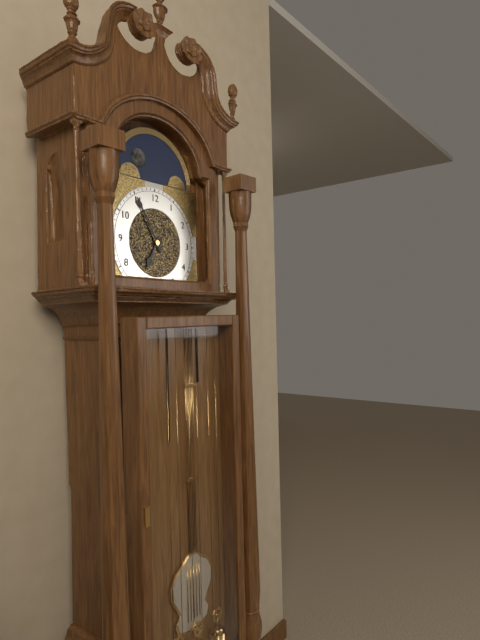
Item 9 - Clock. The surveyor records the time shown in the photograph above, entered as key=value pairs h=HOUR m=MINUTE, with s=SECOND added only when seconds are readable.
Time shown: h=6 m=55
